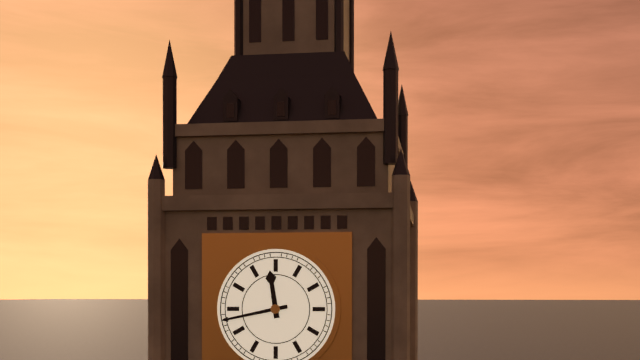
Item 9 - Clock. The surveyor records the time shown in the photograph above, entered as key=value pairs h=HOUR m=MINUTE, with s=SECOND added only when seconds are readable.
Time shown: h=11 m=43
